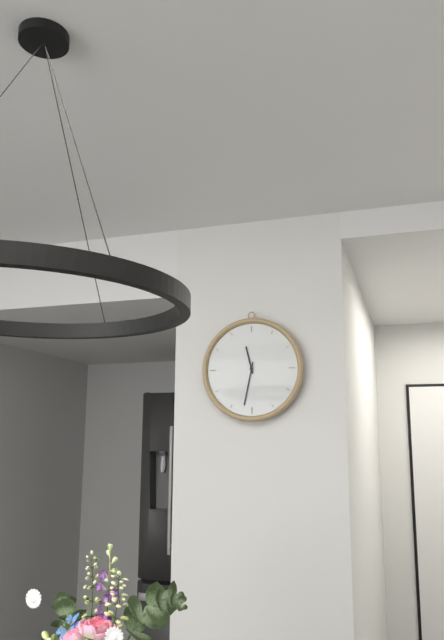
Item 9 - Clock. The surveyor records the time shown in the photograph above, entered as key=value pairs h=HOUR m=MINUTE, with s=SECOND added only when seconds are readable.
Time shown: h=11 m=32
